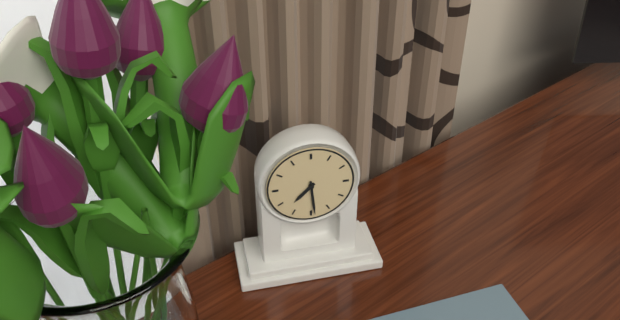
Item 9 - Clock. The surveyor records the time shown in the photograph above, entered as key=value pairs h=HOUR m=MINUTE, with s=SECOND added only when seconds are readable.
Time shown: h=7 m=29
